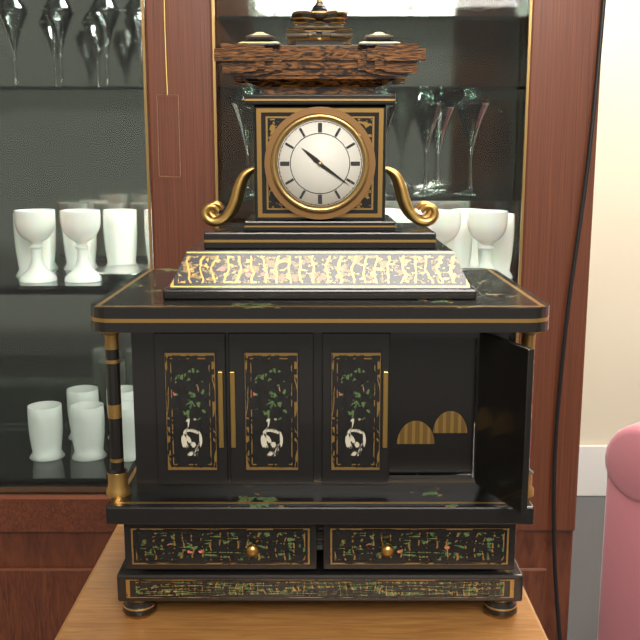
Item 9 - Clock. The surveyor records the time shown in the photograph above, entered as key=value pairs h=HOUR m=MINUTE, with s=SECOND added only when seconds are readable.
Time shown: h=10 m=21
